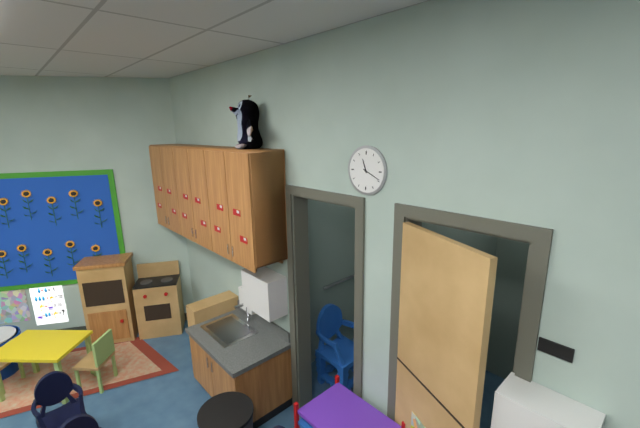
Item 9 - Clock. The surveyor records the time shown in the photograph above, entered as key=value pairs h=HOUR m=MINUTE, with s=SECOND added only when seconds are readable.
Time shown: h=11 m=19
